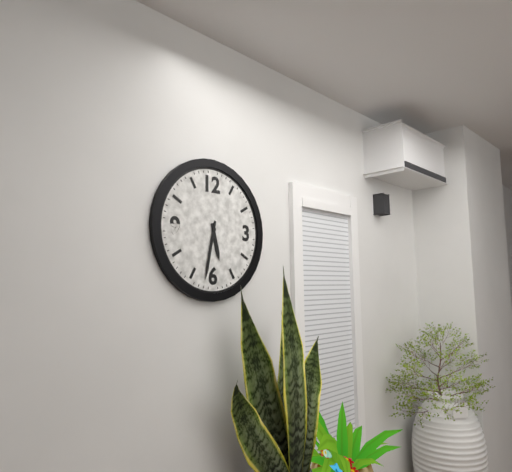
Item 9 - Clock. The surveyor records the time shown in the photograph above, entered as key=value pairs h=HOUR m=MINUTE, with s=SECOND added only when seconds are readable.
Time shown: h=5 m=32
